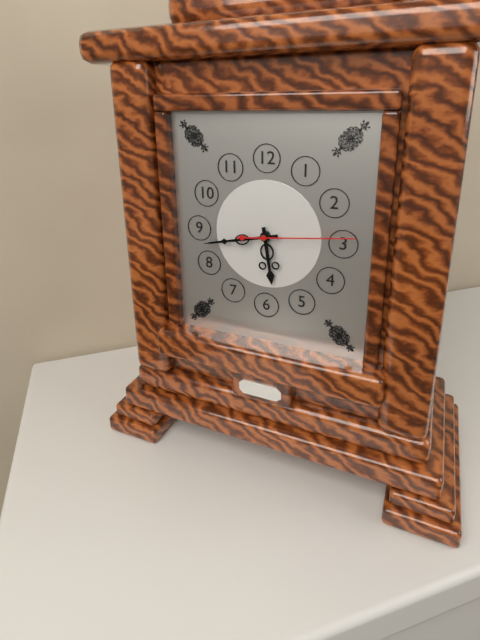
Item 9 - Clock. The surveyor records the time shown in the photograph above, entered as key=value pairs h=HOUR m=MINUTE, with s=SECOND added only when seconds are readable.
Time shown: h=5 m=43 s=14
